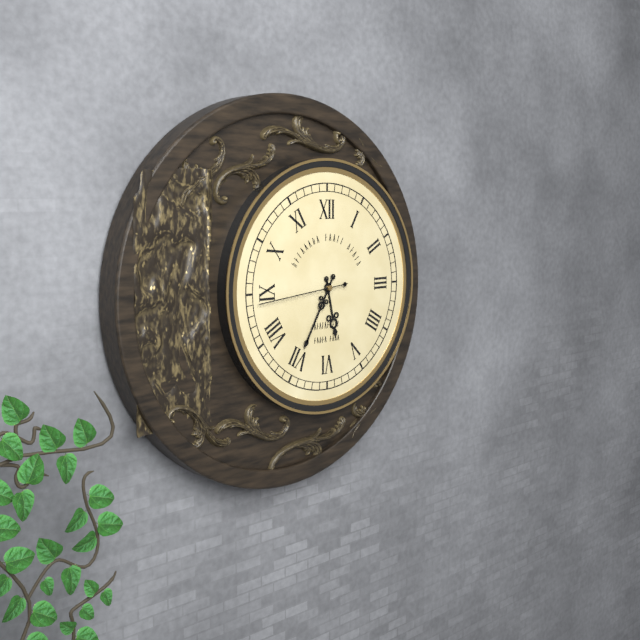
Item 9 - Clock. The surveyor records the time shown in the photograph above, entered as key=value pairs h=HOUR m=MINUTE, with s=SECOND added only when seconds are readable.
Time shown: h=5 m=35 s=44
